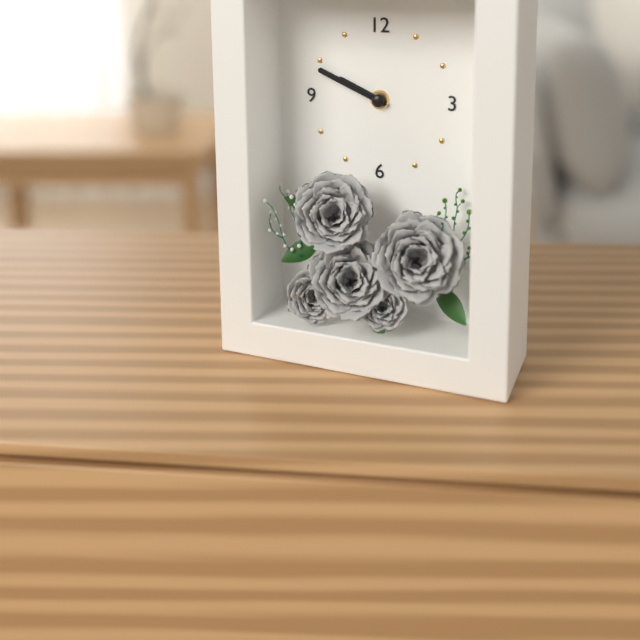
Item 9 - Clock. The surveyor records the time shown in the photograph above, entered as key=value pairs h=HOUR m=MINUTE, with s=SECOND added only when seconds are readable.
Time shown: h=9 m=49
